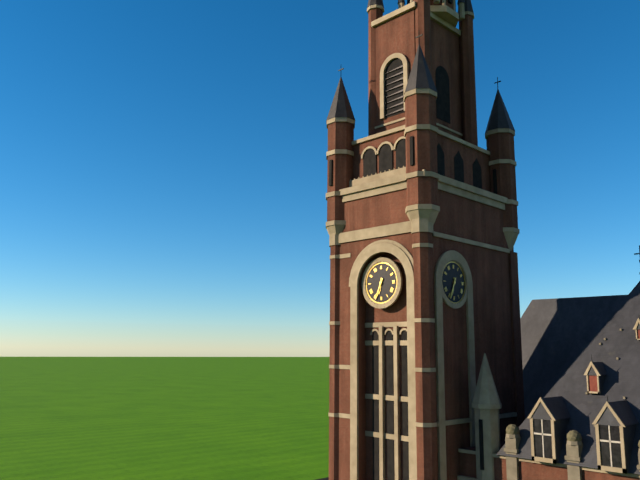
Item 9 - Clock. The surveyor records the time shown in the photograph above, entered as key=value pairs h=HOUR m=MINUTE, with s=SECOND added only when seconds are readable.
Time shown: h=6 m=34
